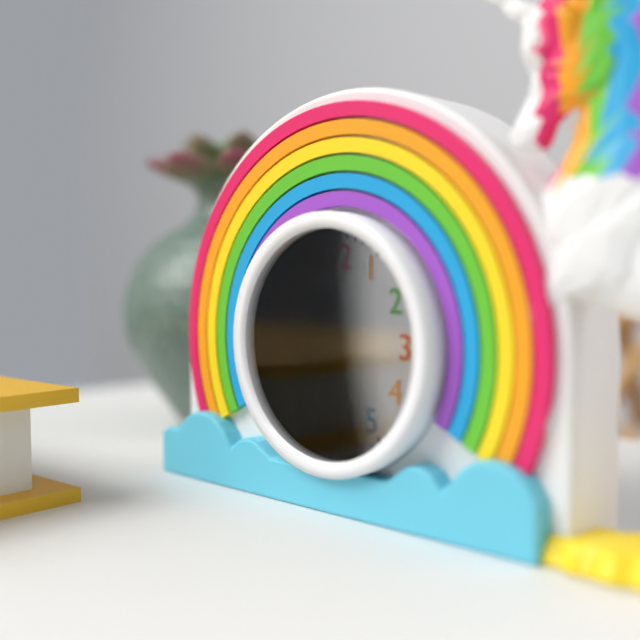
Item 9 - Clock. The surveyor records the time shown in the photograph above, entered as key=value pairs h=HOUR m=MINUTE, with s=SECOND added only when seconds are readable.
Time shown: h=6 m=28
